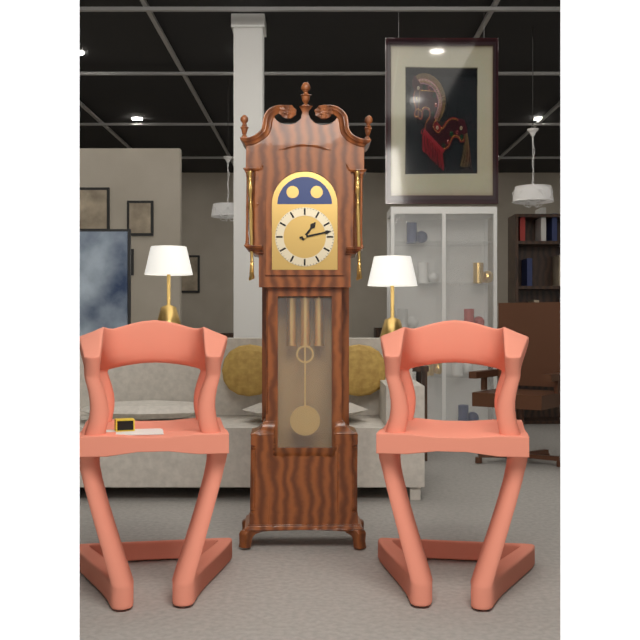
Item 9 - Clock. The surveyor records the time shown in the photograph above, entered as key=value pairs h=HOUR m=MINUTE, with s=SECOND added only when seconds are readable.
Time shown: h=1 m=13
